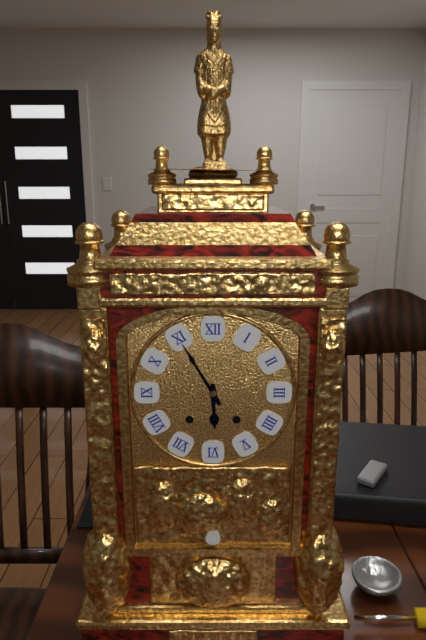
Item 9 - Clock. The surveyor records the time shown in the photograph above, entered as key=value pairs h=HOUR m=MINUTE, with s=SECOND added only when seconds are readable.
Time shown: h=5 m=55
